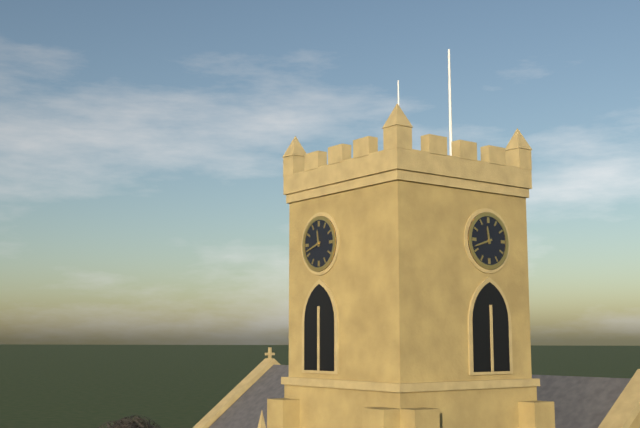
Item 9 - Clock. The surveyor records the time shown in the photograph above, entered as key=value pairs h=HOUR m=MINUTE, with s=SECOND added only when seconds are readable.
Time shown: h=11 m=42
